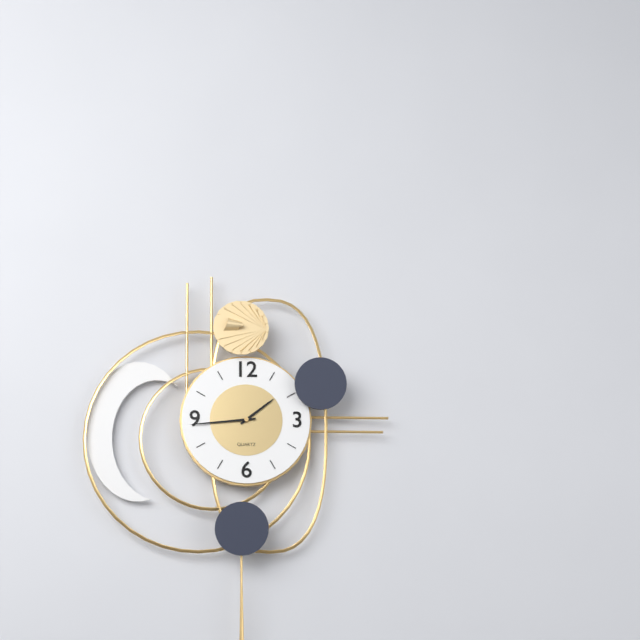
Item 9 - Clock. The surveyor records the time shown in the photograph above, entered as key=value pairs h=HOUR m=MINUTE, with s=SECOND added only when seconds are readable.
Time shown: h=1 m=44
